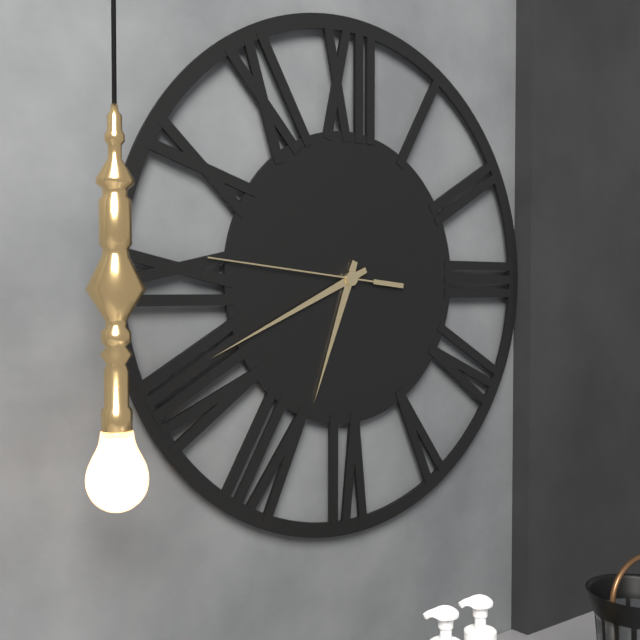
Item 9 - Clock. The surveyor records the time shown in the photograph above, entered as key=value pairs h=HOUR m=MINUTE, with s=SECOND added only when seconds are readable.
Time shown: h=6 m=41 s=46
